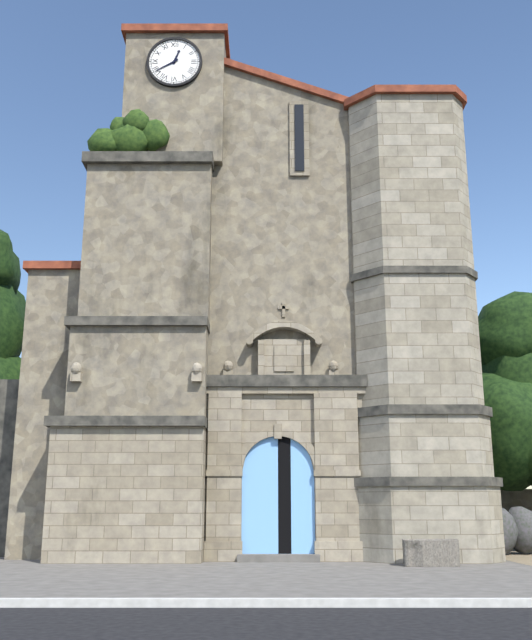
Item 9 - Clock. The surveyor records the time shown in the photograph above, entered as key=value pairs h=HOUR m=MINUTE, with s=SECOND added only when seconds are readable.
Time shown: h=12 m=40
